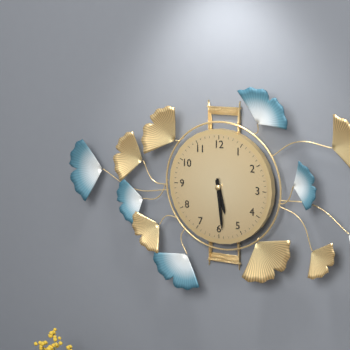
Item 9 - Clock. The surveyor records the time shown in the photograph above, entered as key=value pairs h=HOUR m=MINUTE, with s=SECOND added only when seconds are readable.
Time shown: h=5 m=29
